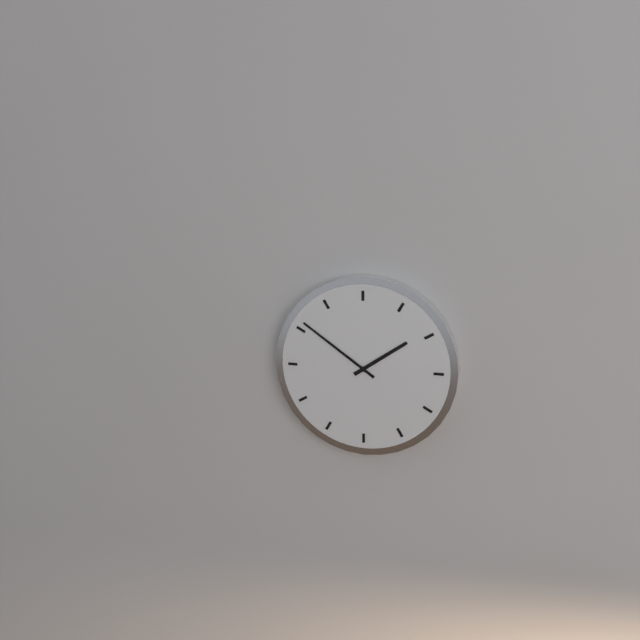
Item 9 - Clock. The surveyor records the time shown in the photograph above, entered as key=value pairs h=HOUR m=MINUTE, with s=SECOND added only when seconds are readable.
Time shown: h=1 m=51
